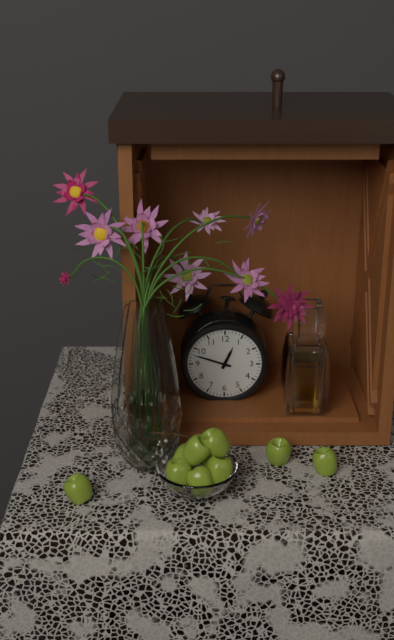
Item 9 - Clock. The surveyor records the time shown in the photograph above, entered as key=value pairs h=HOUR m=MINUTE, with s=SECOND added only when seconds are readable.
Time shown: h=12 m=48
